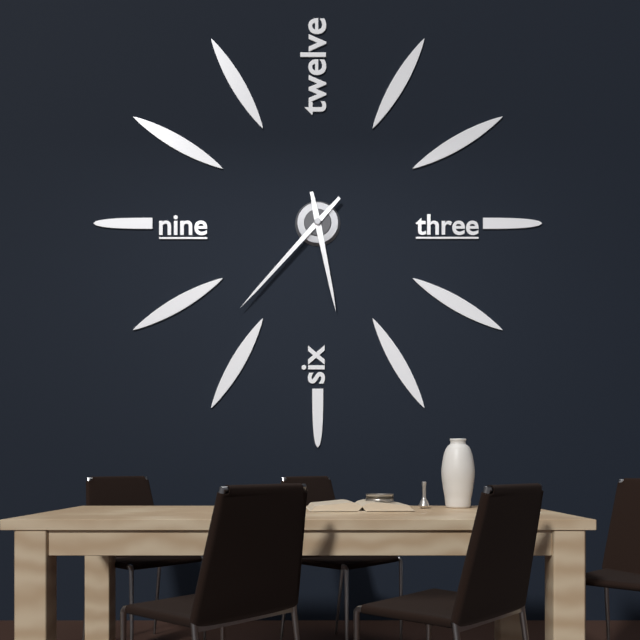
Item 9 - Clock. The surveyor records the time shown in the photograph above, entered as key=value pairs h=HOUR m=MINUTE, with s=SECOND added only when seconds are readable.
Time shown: h=5 m=37
